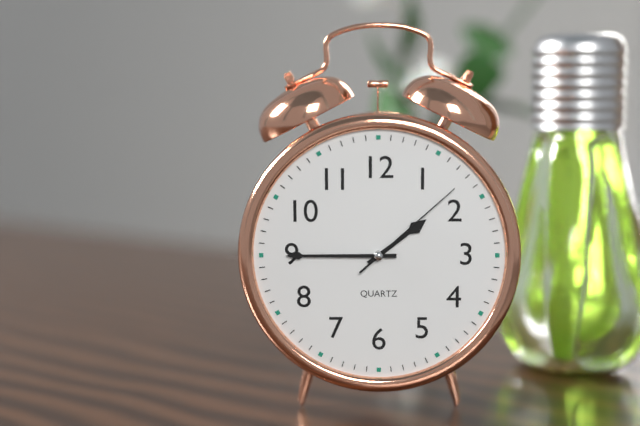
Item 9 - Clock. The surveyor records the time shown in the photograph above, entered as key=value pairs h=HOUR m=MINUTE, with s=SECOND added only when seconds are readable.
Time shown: h=1 m=45 s=8
